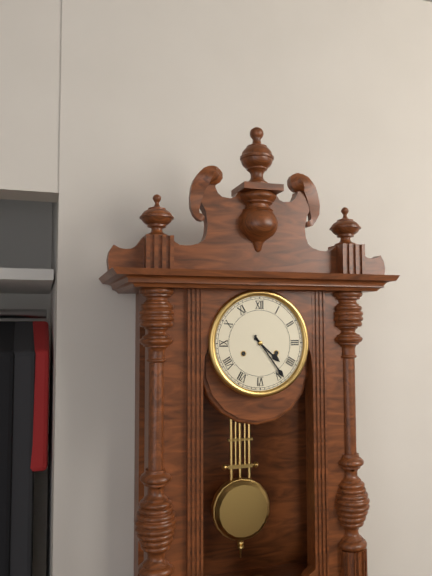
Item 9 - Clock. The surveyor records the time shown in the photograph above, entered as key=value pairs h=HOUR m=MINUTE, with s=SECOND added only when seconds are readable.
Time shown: h=4 m=24
